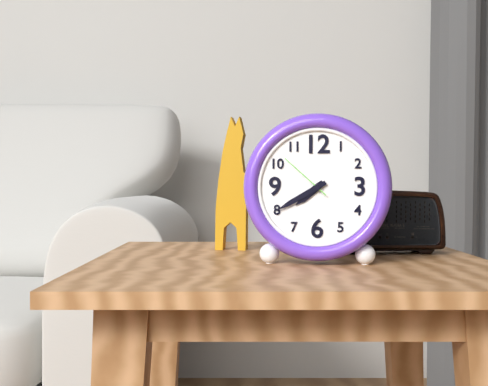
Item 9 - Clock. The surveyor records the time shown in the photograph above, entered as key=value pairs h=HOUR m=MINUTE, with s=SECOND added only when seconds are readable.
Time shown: h=7 m=40 s=52
